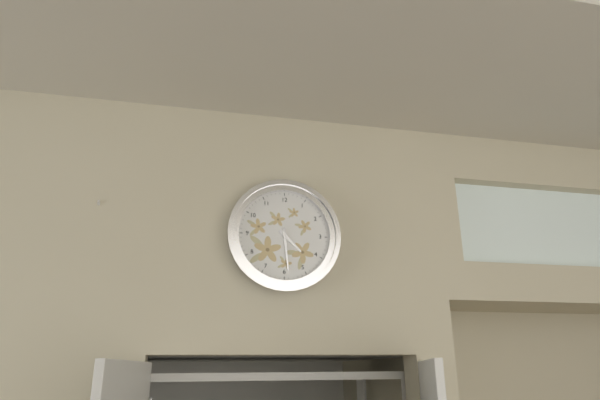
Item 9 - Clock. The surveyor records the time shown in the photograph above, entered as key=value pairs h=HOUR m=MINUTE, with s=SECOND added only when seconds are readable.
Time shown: h=4 m=29
